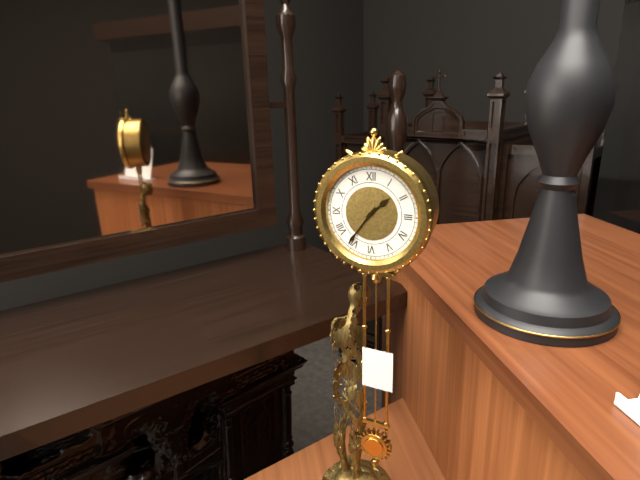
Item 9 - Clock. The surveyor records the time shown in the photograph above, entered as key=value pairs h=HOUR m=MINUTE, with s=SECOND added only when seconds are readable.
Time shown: h=1 m=36
